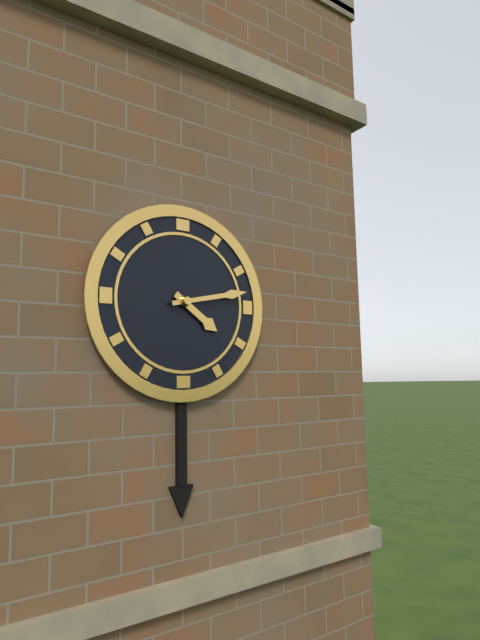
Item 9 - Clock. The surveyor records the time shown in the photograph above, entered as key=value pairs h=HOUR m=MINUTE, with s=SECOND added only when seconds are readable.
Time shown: h=4 m=13
